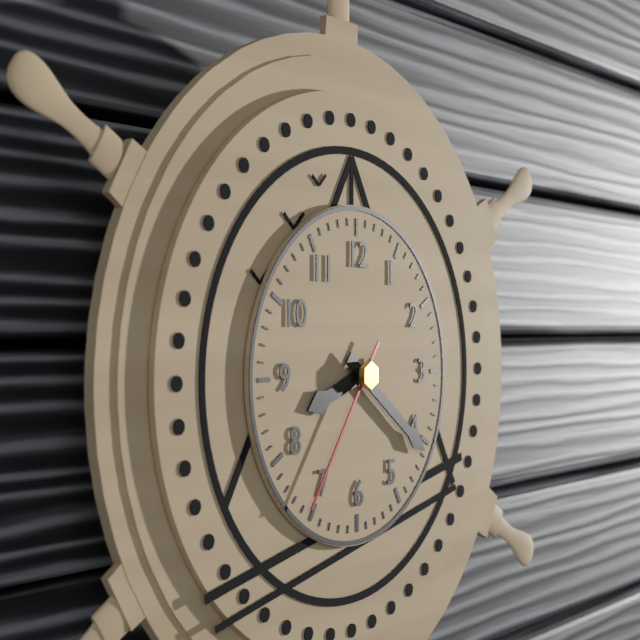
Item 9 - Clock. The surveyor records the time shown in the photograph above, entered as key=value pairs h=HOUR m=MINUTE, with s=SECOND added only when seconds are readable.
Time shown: h=8 m=21 s=36
